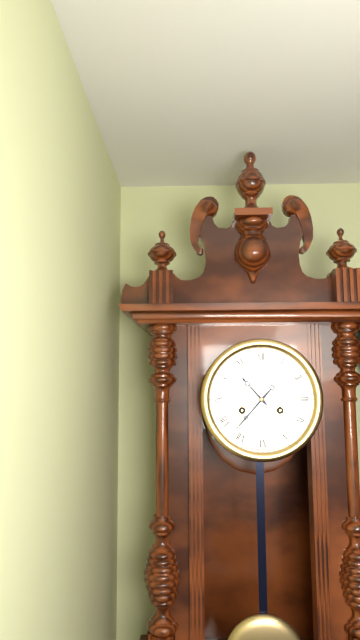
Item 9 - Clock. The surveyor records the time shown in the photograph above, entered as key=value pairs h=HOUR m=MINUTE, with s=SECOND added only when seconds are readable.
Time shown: h=10 m=37
